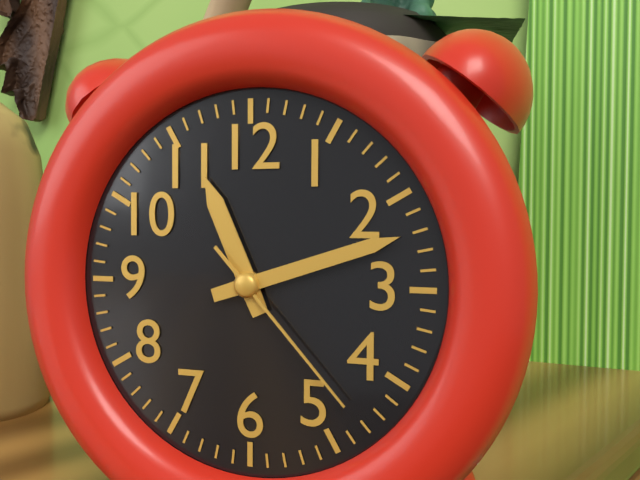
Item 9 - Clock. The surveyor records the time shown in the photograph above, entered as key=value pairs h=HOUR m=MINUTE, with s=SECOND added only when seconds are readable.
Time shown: h=11 m=12 s=23
